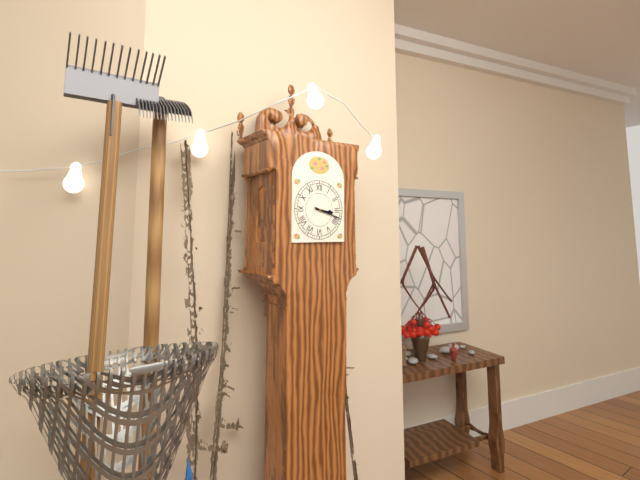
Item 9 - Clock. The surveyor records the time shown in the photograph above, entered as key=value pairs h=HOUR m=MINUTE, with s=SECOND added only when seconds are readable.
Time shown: h=3 m=18
